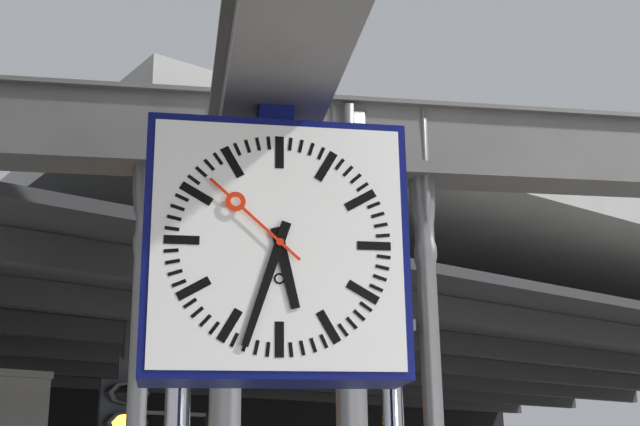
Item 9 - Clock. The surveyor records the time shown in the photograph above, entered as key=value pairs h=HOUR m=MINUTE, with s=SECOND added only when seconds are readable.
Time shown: h=5 m=33 s=52
